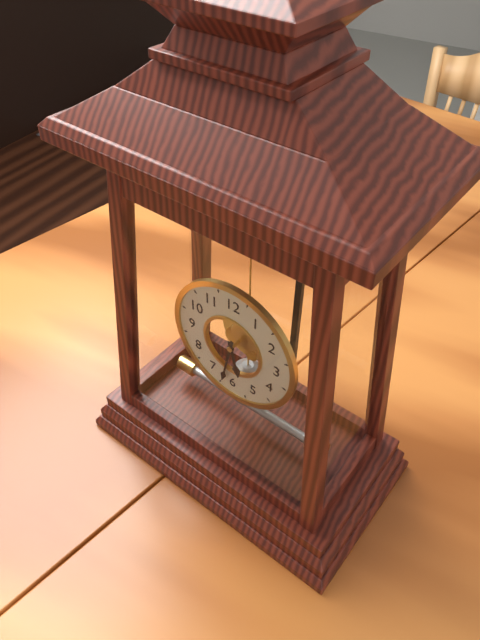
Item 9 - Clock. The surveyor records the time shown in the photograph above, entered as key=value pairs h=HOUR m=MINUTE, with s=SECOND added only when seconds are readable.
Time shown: h=5 m=32
